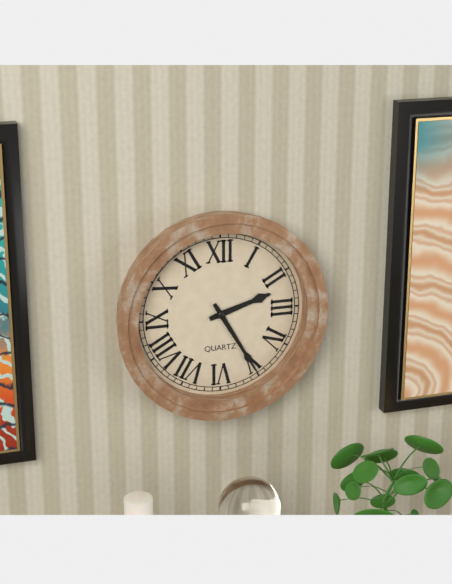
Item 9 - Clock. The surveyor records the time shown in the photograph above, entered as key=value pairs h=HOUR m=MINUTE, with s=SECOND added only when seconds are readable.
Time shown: h=2 m=25
